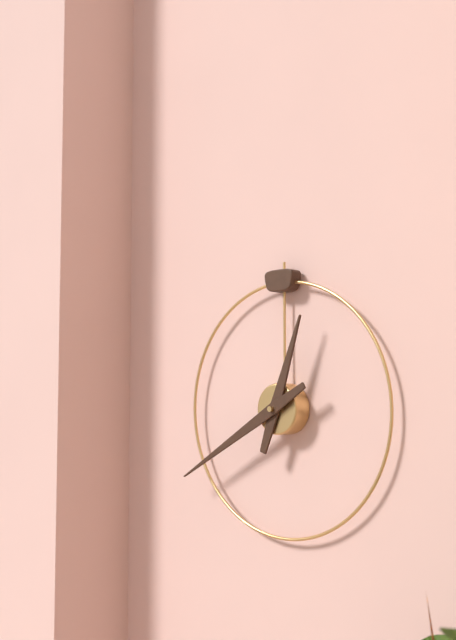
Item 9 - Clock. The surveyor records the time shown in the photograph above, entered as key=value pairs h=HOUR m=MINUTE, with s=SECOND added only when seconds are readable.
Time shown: h=12 m=40
